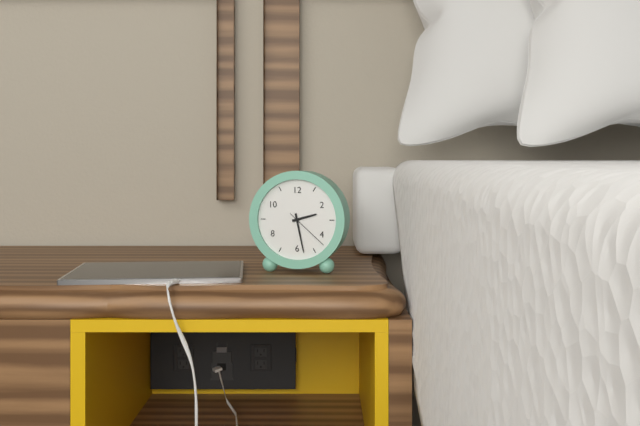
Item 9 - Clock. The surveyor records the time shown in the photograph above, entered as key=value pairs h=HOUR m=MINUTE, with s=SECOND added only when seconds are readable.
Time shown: h=2 m=28
